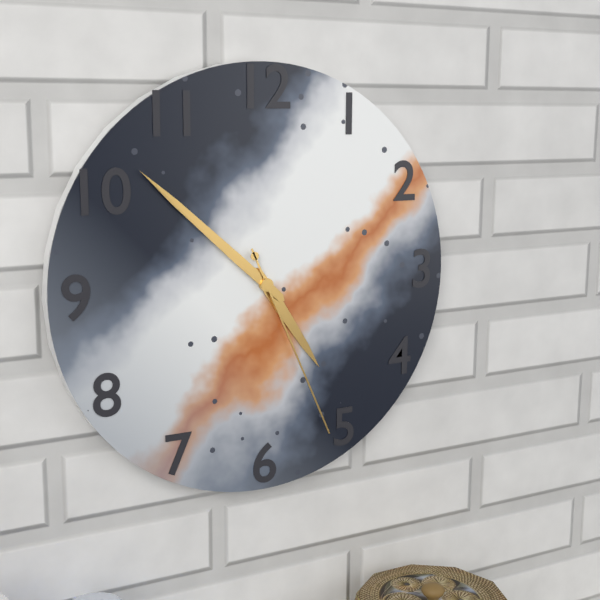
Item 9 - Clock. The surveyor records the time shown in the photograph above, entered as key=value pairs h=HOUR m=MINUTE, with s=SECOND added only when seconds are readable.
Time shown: h=4 m=52 s=26
